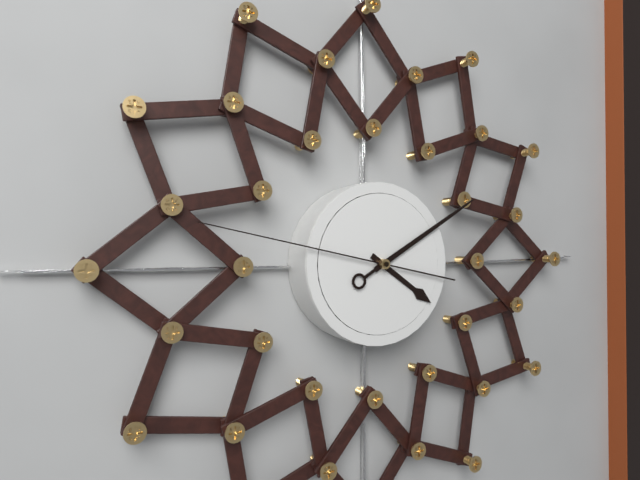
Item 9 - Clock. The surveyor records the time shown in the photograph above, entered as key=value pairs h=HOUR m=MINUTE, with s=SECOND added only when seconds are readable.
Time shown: h=4 m=10 s=47
